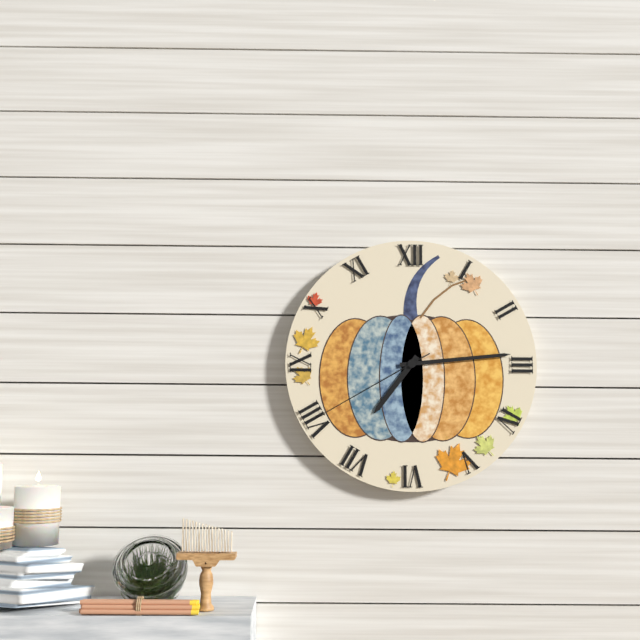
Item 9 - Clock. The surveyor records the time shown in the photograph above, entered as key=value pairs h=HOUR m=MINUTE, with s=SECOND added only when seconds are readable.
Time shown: h=7 m=14 s=40
